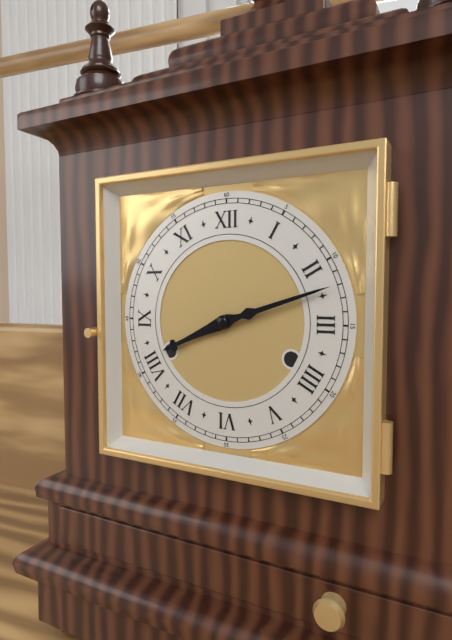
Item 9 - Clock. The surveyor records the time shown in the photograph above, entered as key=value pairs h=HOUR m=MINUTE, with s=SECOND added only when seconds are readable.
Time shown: h=8 m=12
